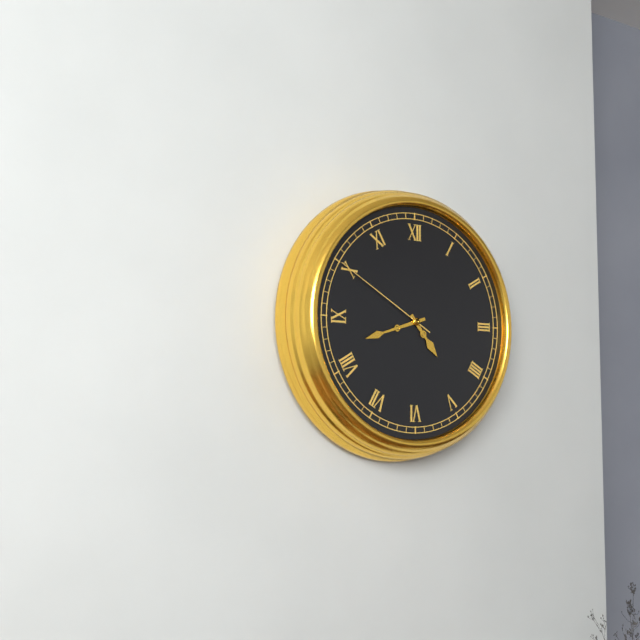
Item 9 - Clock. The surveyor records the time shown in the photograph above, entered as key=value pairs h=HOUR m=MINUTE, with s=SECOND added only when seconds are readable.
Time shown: h=4 m=42 s=50
